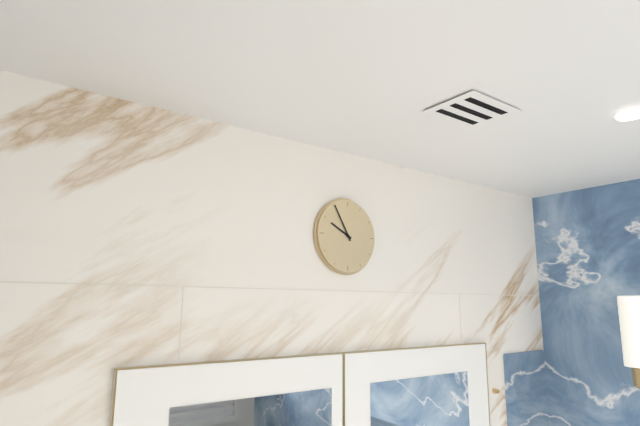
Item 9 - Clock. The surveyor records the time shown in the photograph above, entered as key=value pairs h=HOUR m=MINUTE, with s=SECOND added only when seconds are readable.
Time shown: h=9 m=55
